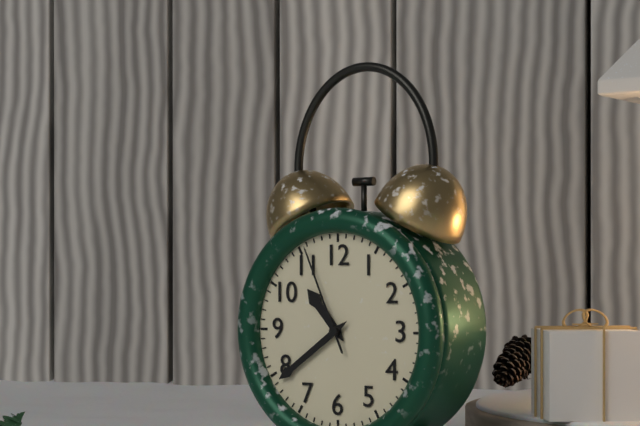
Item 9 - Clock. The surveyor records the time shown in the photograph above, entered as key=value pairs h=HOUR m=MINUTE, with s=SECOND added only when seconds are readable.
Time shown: h=10 m=39 s=56
